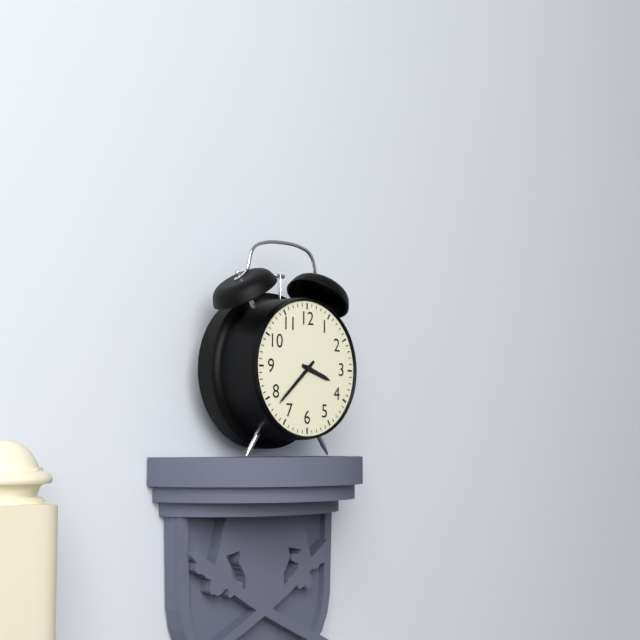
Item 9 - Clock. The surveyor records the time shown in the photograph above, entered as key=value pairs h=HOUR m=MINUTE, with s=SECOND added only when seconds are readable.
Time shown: h=3 m=38
